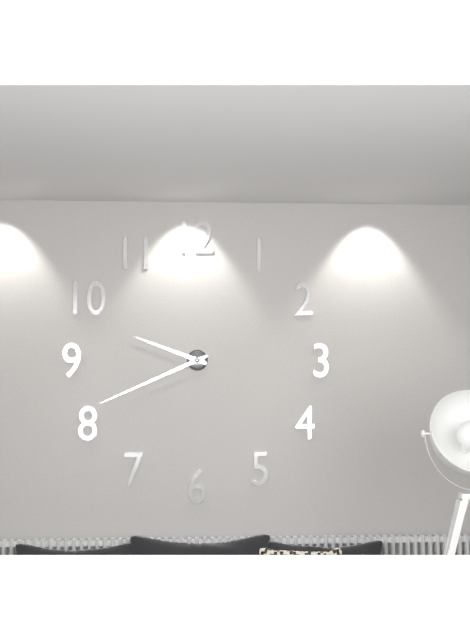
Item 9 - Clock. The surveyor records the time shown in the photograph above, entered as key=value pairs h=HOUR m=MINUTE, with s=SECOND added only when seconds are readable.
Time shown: h=9 m=41
